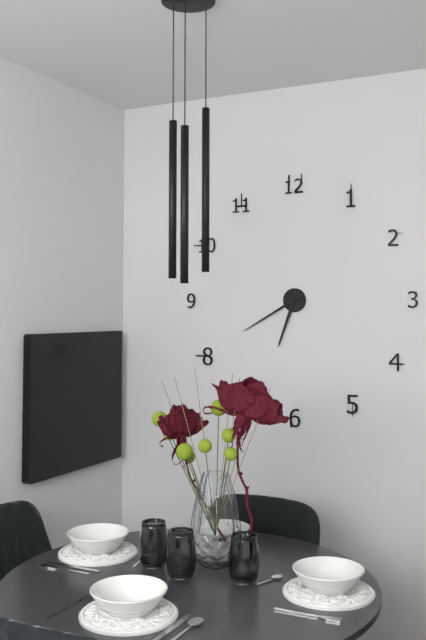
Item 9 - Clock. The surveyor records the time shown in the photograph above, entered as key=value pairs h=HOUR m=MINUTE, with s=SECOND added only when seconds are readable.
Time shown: h=6 m=40
